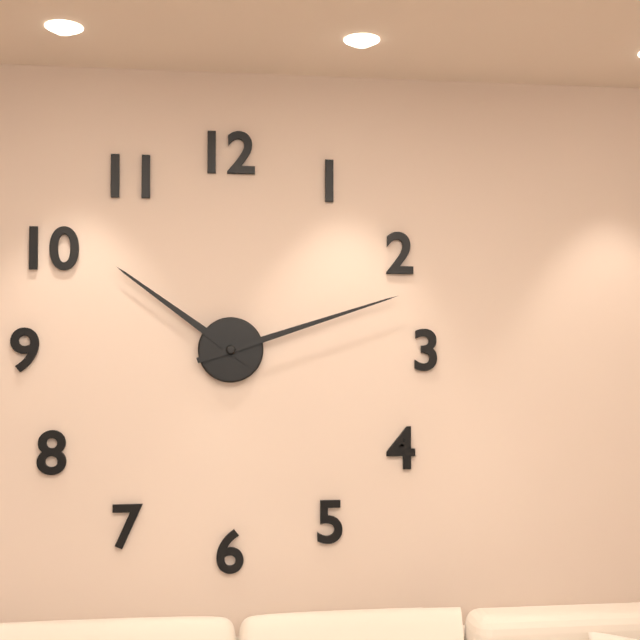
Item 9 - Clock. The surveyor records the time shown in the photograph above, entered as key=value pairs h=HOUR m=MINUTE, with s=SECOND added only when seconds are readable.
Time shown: h=10 m=12
